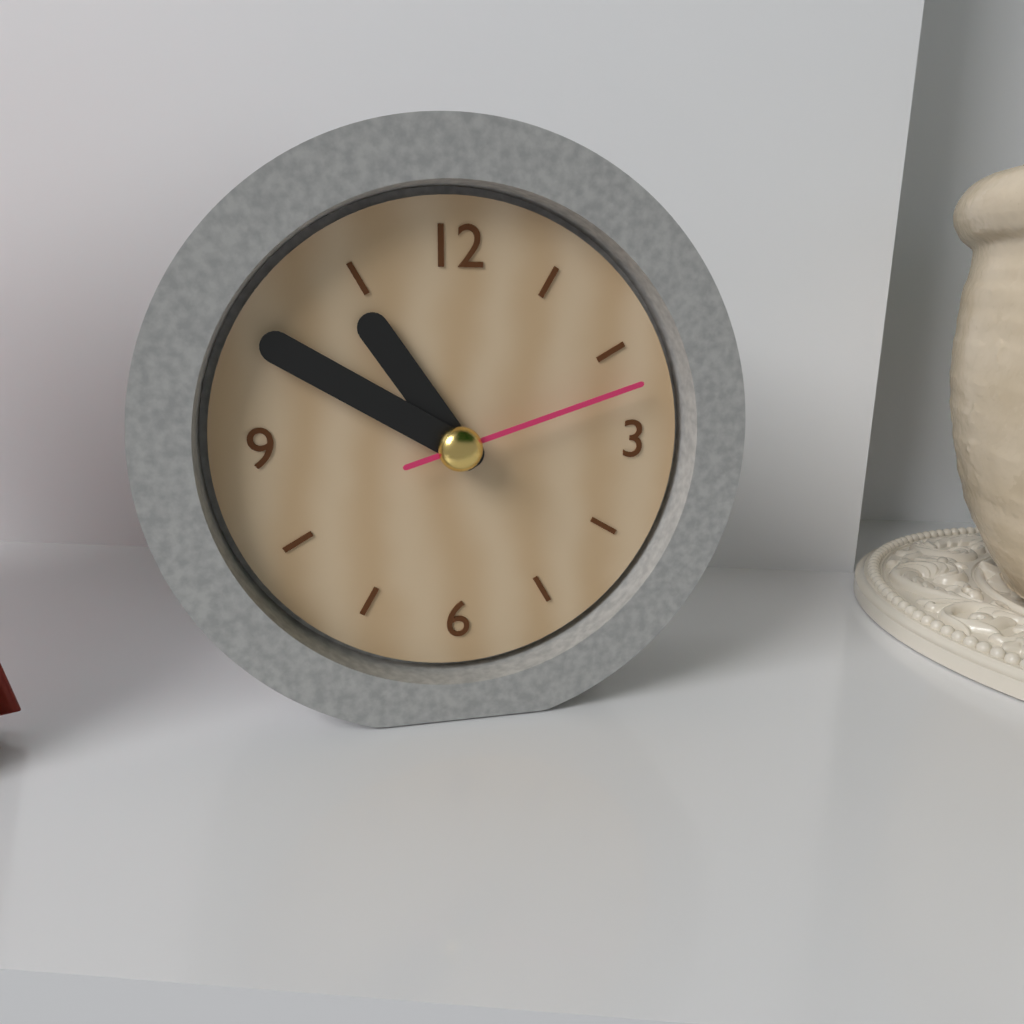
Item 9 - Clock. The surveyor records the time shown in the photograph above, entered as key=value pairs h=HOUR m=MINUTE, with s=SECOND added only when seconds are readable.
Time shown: h=10 m=50 s=12
